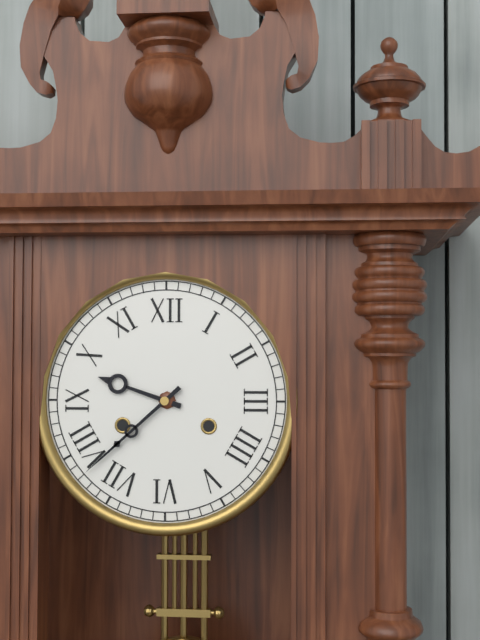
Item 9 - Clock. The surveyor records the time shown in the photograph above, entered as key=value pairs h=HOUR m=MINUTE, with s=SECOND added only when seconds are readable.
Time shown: h=9 m=38
